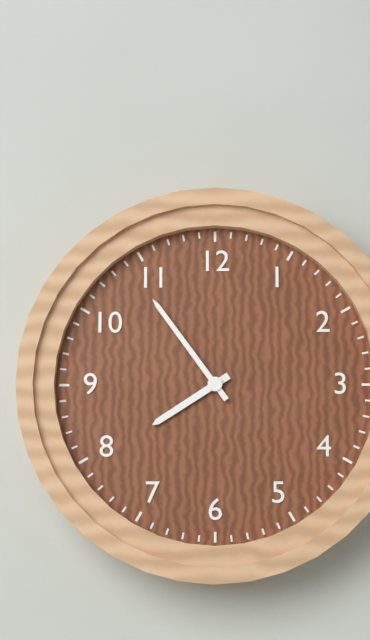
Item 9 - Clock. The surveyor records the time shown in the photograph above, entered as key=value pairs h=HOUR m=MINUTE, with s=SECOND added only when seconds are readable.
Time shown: h=7 m=54
